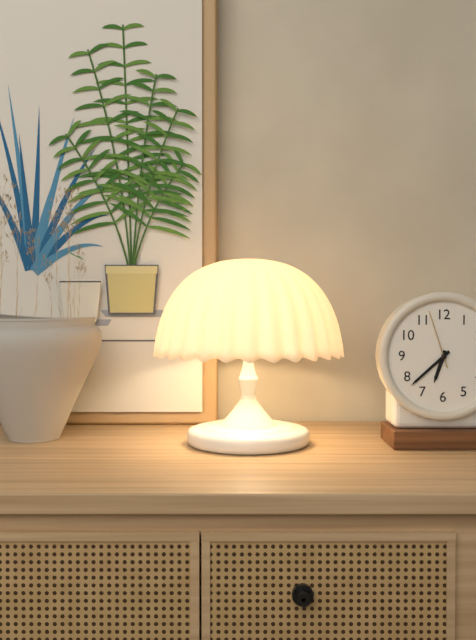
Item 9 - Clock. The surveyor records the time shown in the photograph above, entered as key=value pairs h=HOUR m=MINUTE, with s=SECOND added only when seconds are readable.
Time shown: h=6 m=38 s=57
